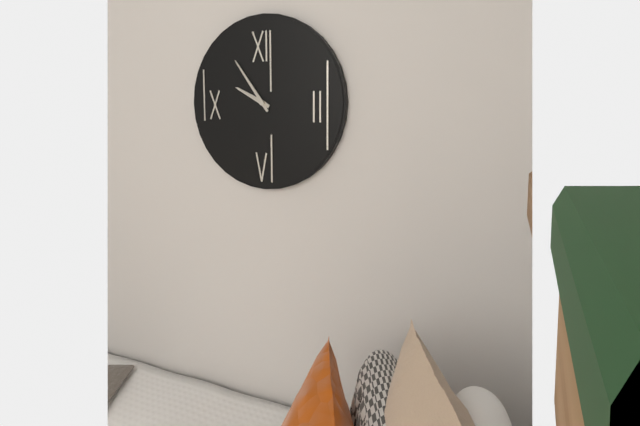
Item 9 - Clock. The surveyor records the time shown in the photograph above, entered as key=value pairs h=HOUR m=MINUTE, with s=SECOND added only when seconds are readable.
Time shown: h=9 m=54
